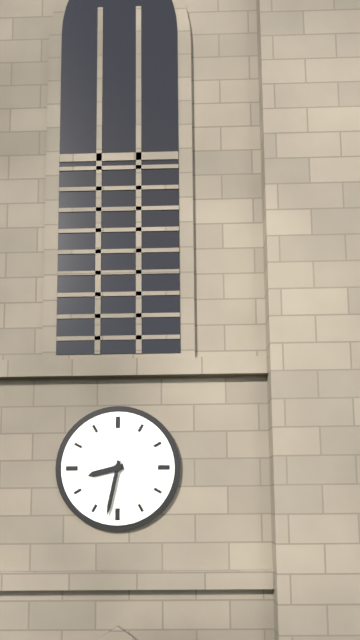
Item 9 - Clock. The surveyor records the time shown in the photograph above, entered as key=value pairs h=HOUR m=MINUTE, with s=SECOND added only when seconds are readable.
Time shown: h=8 m=32
